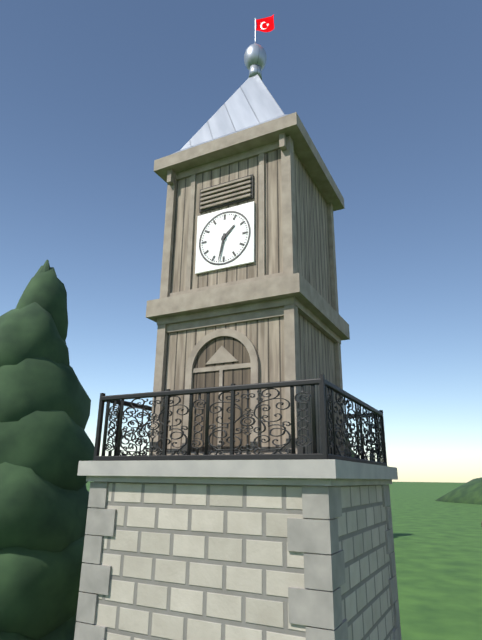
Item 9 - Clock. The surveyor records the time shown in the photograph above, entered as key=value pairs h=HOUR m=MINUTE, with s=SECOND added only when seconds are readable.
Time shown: h=1 m=32
